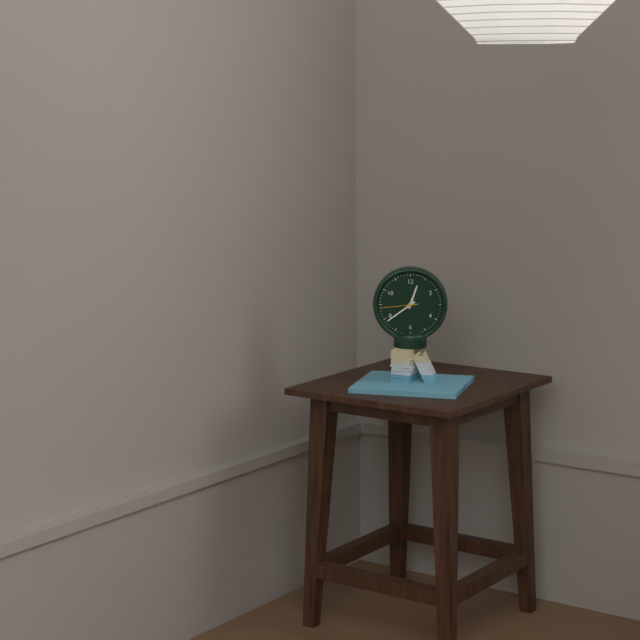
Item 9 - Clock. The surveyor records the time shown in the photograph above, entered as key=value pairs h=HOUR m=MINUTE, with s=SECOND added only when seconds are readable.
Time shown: h=12 m=39
